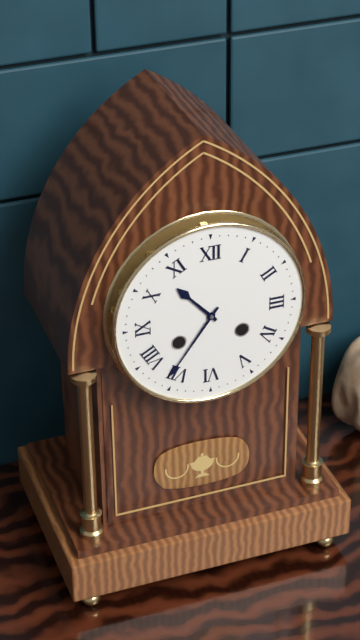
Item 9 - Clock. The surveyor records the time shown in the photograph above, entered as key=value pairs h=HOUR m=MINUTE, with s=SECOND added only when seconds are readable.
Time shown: h=10 m=36
